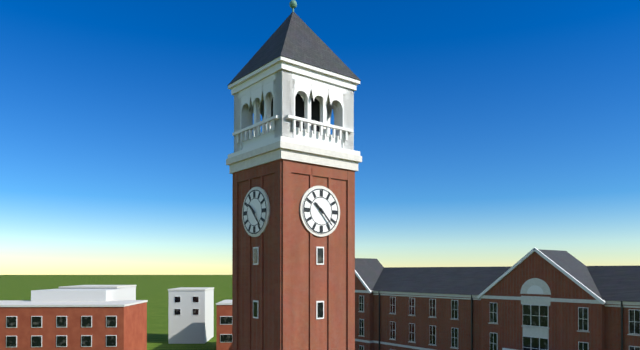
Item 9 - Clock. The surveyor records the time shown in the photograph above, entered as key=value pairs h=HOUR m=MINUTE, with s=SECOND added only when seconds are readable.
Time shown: h=10 m=23
